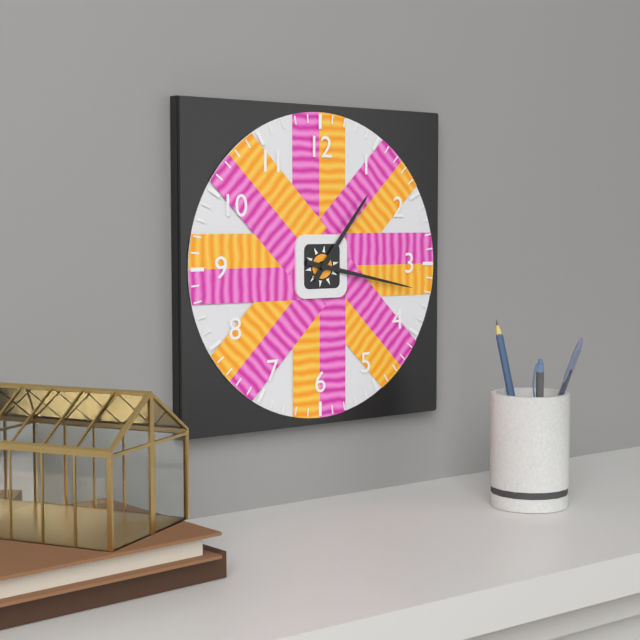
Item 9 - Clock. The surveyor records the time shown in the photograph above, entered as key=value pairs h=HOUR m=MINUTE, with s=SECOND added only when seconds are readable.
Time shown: h=1 m=17
